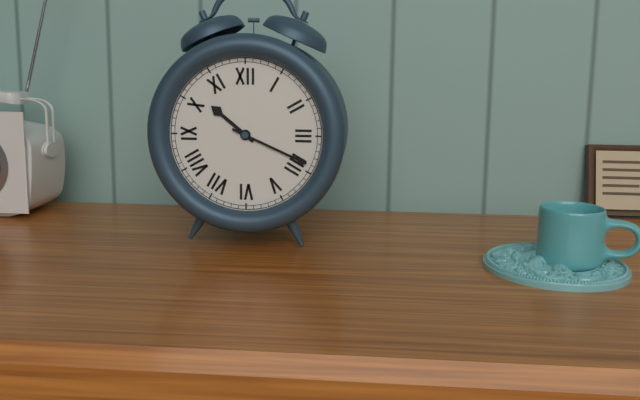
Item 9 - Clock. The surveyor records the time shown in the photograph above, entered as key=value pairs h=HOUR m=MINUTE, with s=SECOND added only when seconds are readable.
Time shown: h=10 m=19
